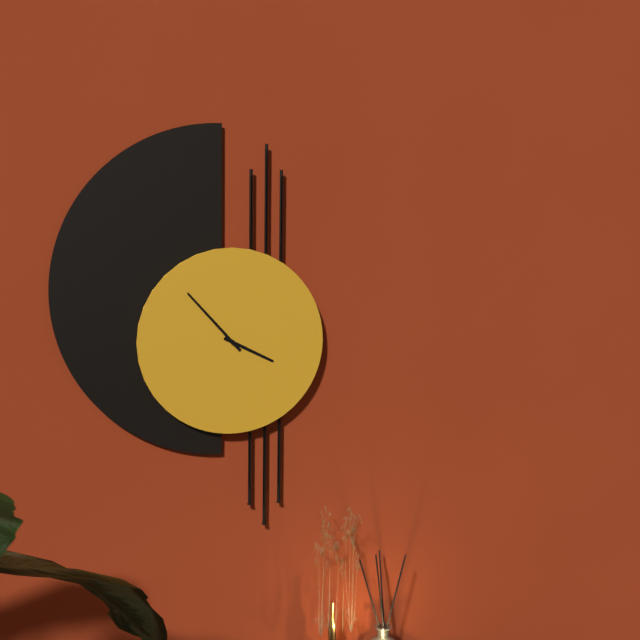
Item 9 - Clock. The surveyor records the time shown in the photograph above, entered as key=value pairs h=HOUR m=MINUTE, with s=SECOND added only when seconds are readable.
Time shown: h=3 m=53
